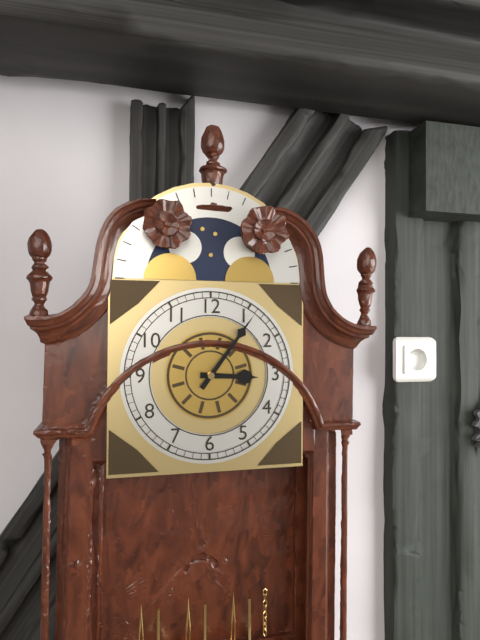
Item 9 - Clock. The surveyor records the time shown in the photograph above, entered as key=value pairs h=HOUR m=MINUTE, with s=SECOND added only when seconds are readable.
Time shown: h=3 m=6
